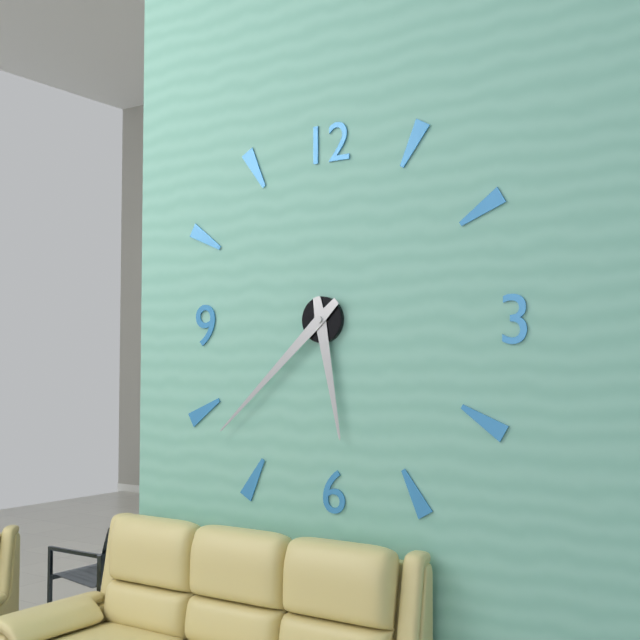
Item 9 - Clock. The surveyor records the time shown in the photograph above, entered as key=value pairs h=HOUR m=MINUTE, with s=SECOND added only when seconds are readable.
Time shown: h=5 m=38
